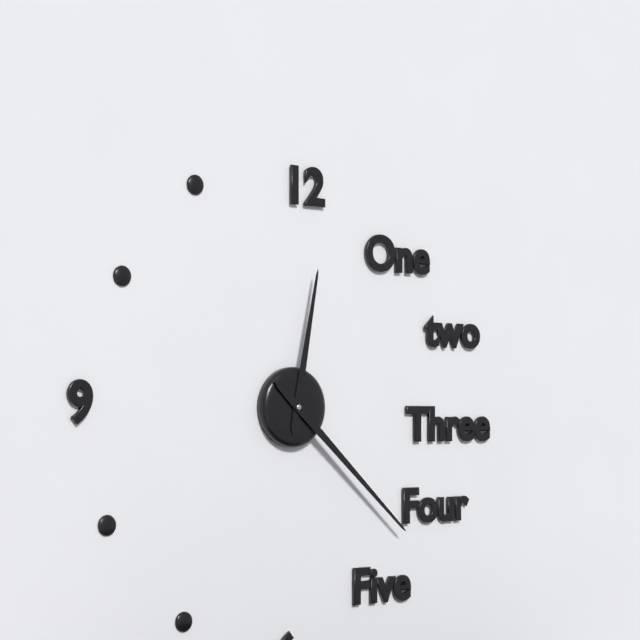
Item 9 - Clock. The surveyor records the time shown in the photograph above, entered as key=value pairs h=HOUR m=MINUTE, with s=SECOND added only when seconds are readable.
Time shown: h=12 m=22
